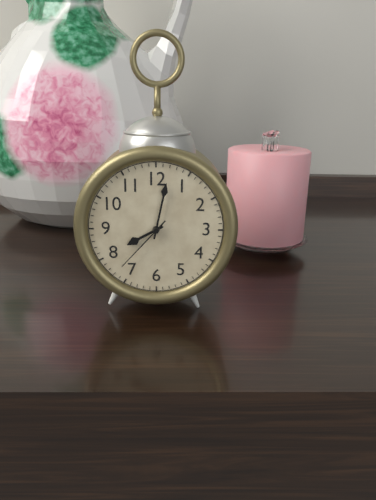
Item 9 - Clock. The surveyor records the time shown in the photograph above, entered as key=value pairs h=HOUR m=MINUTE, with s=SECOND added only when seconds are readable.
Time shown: h=8 m=2 s=37
